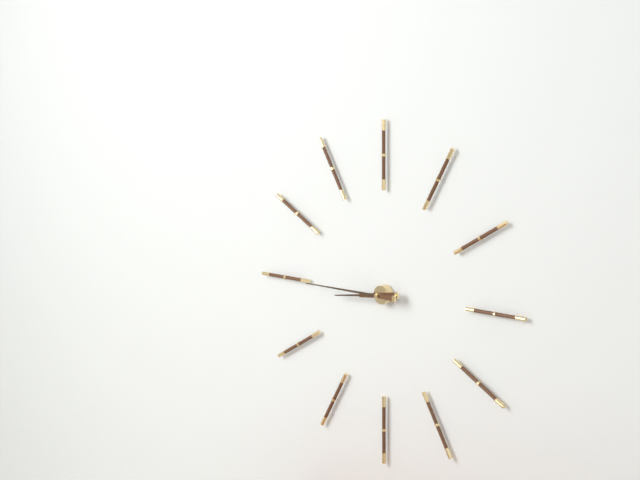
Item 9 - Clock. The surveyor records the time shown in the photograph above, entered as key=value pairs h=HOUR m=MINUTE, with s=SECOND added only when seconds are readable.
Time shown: h=8 m=45
